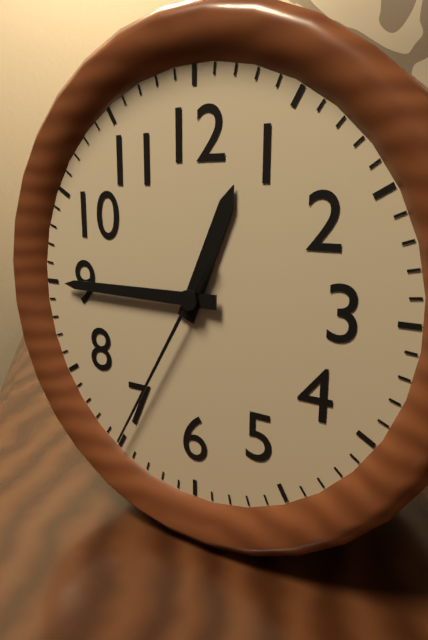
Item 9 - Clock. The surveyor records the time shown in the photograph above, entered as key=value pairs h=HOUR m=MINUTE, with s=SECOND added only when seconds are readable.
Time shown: h=12 m=45 s=35
